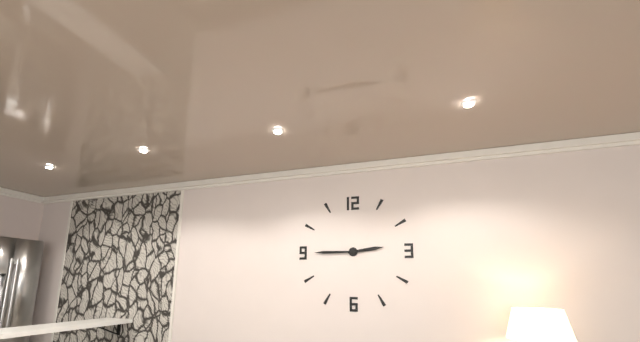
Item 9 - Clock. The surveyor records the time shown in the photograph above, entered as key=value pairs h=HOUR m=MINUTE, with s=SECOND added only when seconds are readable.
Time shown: h=2 m=45
